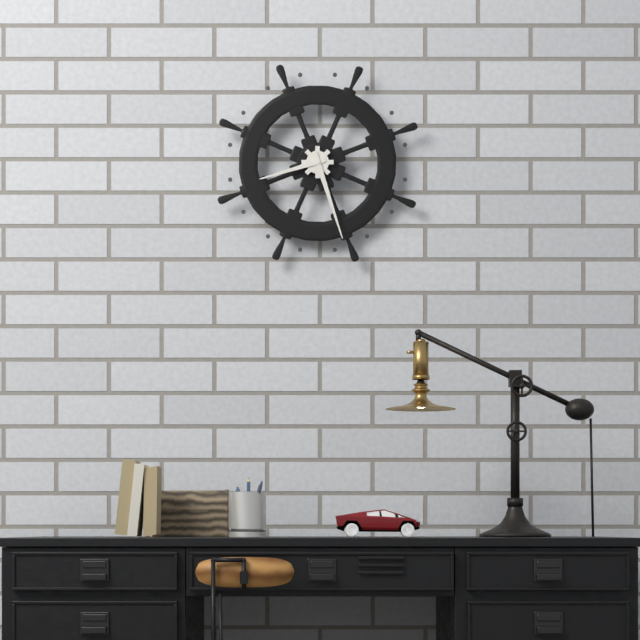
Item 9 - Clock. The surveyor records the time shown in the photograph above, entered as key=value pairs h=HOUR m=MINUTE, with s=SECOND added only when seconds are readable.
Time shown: h=8 m=27
